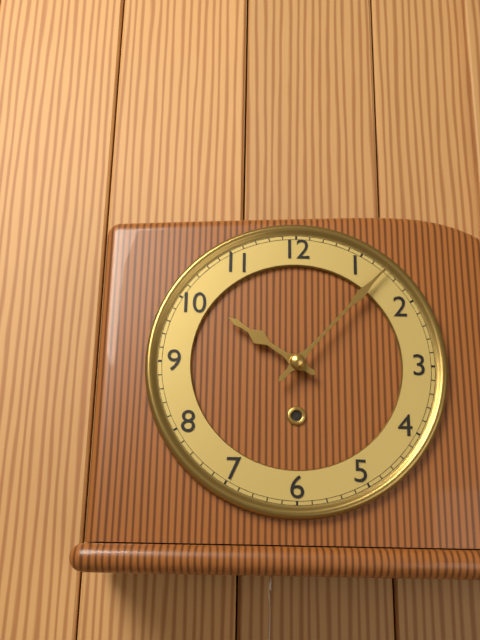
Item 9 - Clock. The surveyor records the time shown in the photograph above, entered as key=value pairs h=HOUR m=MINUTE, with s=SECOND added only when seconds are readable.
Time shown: h=10 m=7
